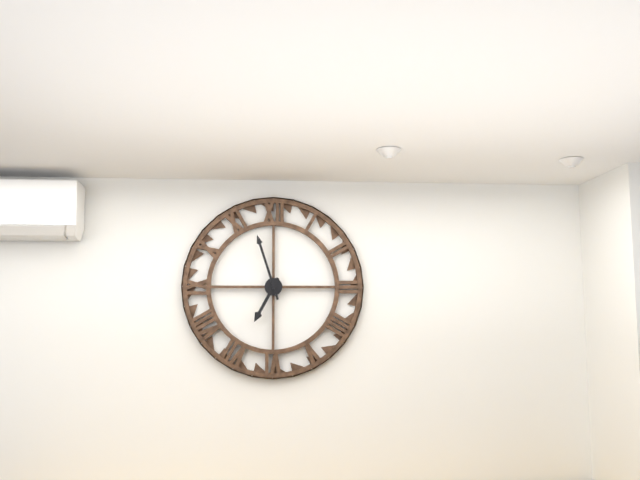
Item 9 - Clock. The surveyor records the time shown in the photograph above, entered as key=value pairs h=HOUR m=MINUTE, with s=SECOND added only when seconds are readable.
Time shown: h=6 m=57
